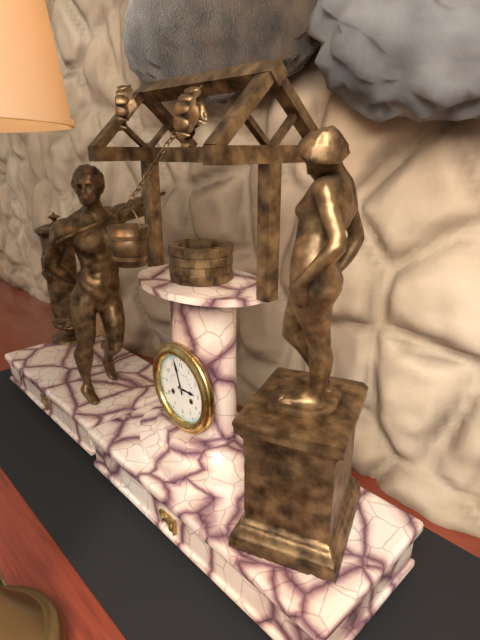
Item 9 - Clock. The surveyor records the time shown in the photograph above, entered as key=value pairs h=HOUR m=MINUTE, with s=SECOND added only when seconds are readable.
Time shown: h=2 m=57
